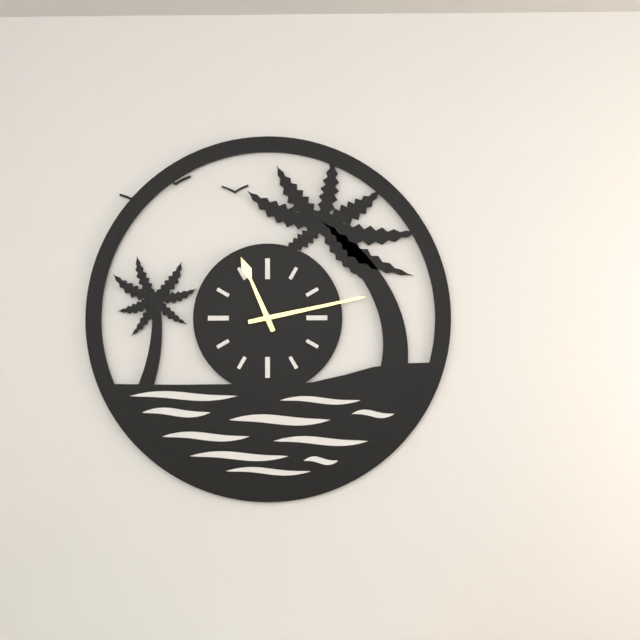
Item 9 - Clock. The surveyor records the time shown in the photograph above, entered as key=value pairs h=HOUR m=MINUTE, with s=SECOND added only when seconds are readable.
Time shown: h=11 m=13
